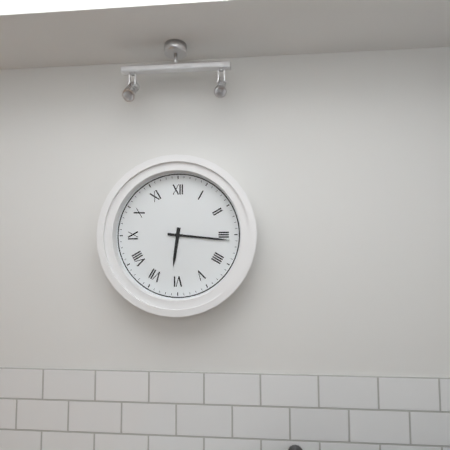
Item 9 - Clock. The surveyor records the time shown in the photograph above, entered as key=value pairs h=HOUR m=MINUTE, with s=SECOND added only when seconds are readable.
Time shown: h=6 m=16
